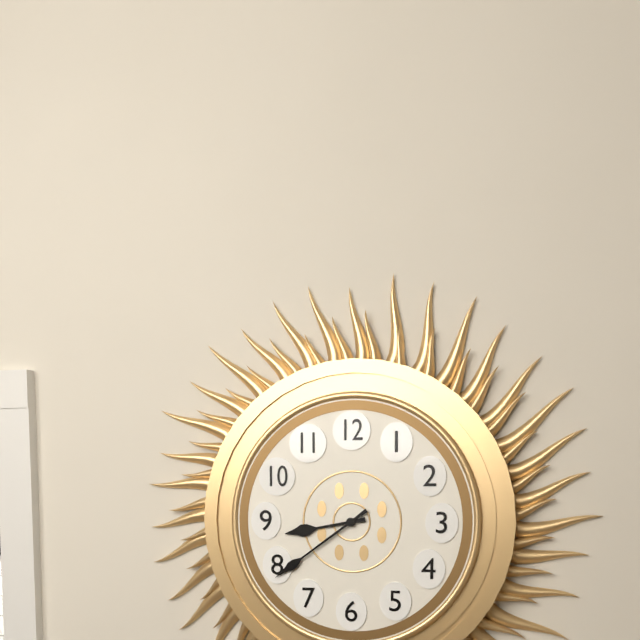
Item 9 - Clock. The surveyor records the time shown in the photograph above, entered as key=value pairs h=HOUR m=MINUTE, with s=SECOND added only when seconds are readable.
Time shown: h=8 m=39
